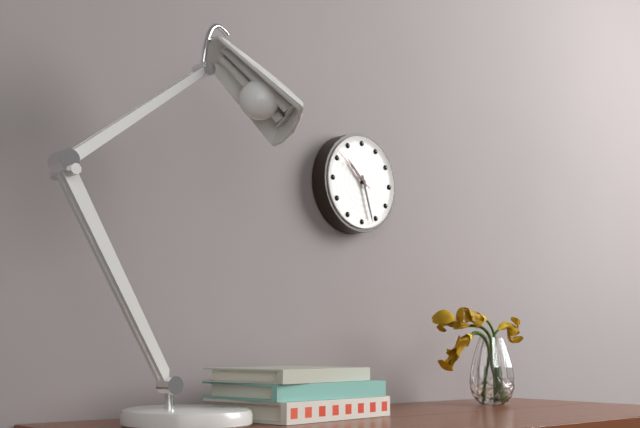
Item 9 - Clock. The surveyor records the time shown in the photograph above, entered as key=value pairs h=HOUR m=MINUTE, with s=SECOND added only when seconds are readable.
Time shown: h=10 m=27
